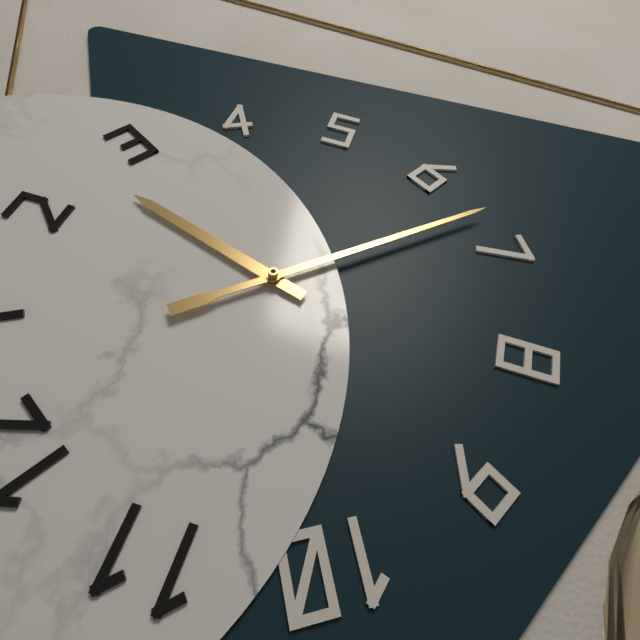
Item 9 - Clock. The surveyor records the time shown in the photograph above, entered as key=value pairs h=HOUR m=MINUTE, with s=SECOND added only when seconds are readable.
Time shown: h=2 m=33
